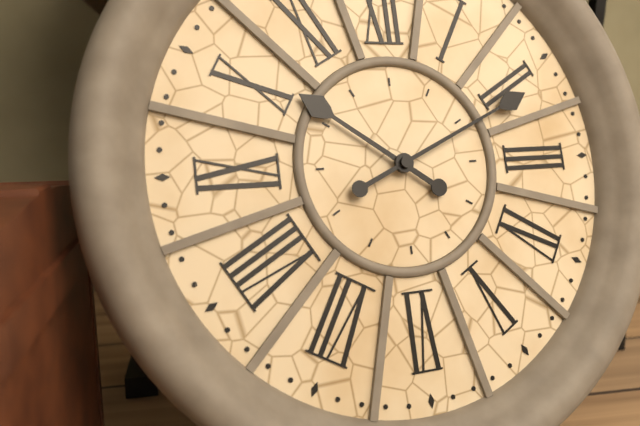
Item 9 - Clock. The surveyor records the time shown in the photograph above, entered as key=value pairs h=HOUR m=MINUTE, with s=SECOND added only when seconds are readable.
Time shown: h=10 m=11
